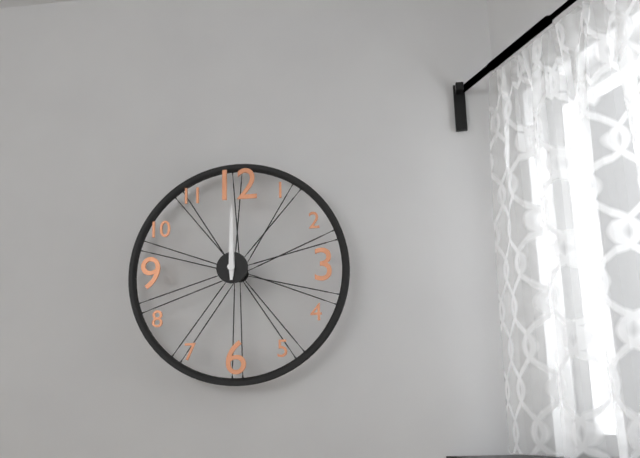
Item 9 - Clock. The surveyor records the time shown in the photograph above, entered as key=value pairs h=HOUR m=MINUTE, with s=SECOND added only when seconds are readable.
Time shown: h=12 m=0
